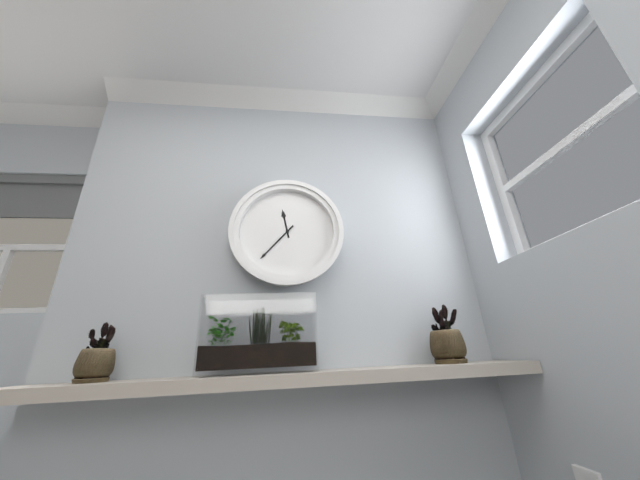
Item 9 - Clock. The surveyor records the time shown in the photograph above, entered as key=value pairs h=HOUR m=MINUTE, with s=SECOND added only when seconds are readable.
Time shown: h=11 m=37
